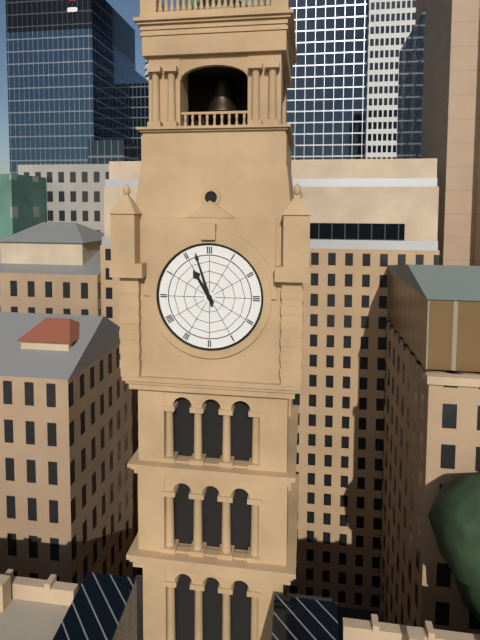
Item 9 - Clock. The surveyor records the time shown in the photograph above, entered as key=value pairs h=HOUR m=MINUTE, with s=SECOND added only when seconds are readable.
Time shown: h=10 m=57
